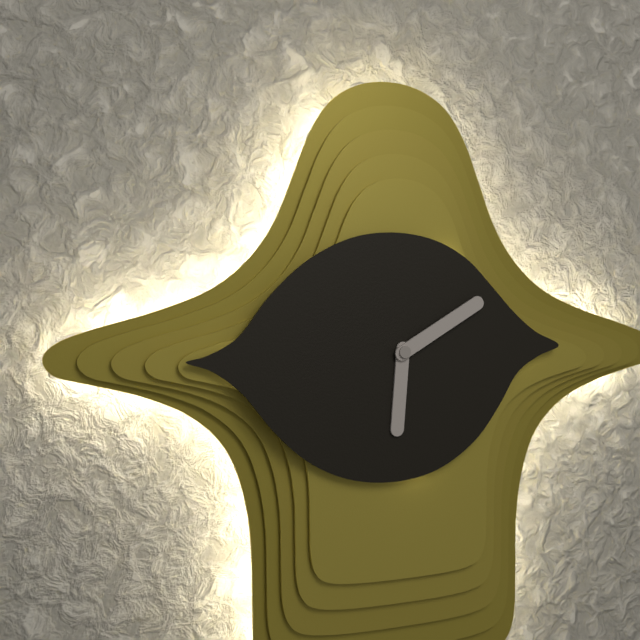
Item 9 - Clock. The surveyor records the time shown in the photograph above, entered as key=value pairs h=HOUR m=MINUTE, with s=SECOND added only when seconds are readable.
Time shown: h=6 m=10
